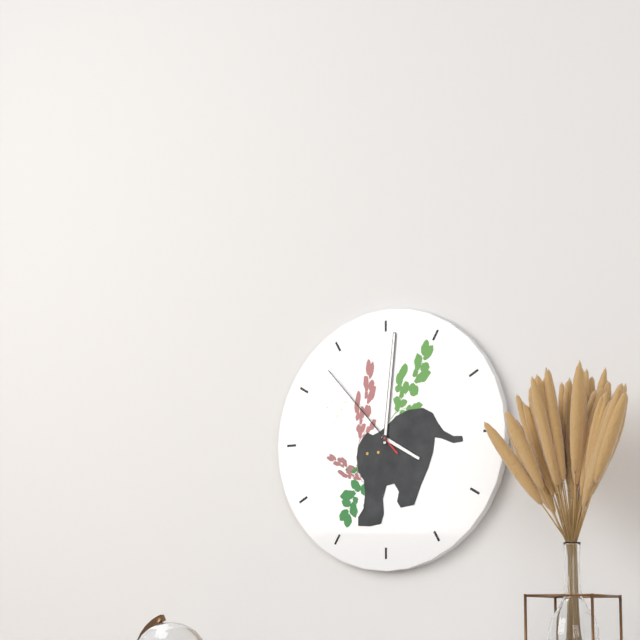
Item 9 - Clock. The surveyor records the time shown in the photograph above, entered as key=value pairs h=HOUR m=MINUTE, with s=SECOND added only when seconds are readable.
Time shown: h=4 m=1 s=53
